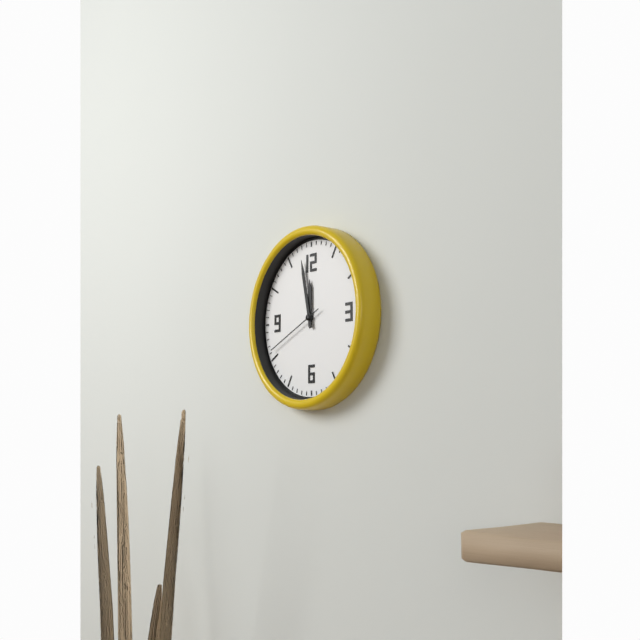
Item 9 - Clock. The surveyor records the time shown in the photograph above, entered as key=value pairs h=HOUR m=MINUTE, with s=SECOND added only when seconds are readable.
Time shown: h=11 m=58 s=41
